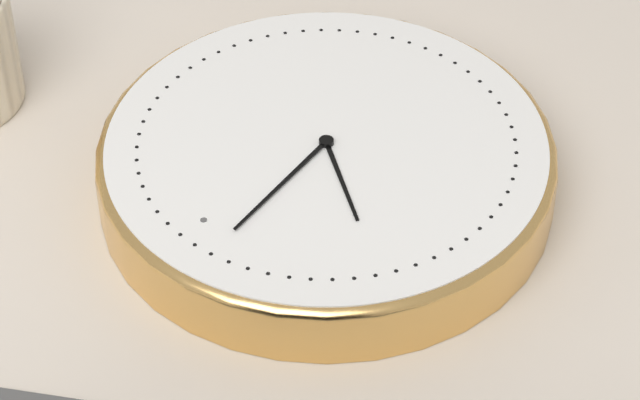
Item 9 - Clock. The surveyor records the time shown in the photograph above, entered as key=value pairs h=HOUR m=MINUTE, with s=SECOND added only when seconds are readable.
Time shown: h=9 m=58
